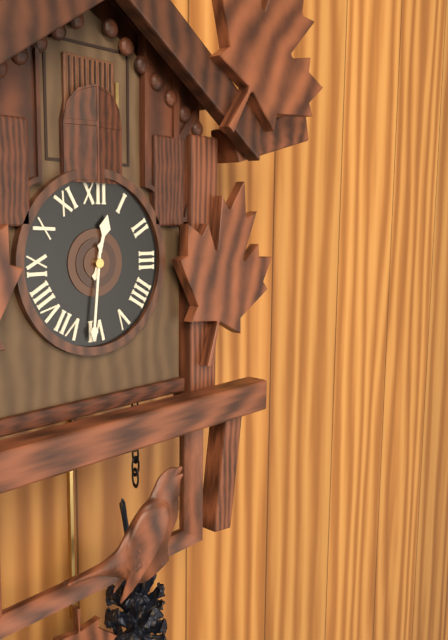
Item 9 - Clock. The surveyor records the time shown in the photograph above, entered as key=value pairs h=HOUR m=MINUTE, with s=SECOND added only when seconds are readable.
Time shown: h=12 m=31
